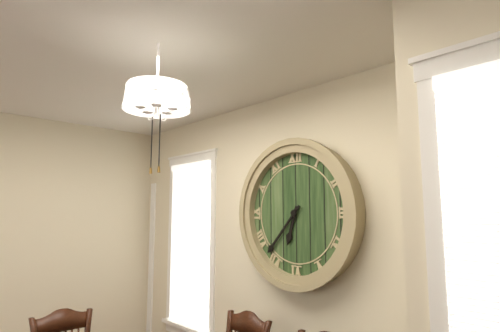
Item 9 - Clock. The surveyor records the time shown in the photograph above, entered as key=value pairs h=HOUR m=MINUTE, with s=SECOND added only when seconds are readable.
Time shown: h=6 m=37
